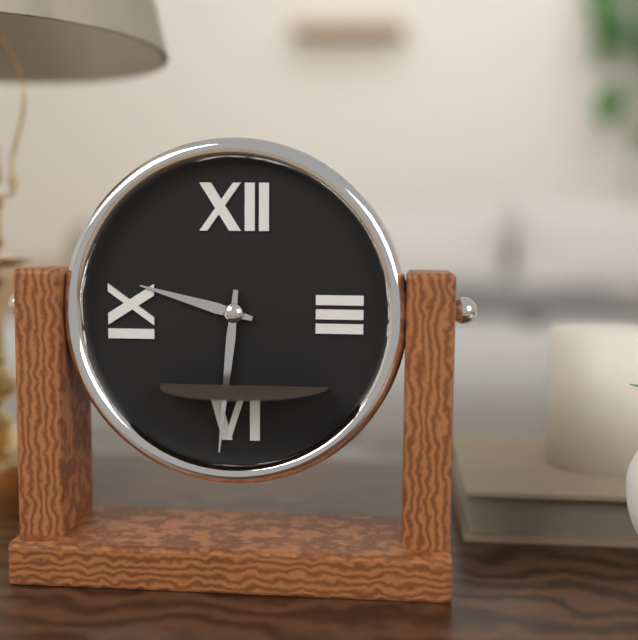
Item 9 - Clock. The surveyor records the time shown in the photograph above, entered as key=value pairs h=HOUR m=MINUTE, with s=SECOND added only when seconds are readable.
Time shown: h=9 m=31
